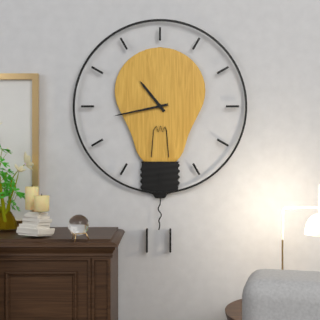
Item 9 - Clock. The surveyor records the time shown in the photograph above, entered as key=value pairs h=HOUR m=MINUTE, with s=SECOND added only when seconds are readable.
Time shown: h=10 m=43
